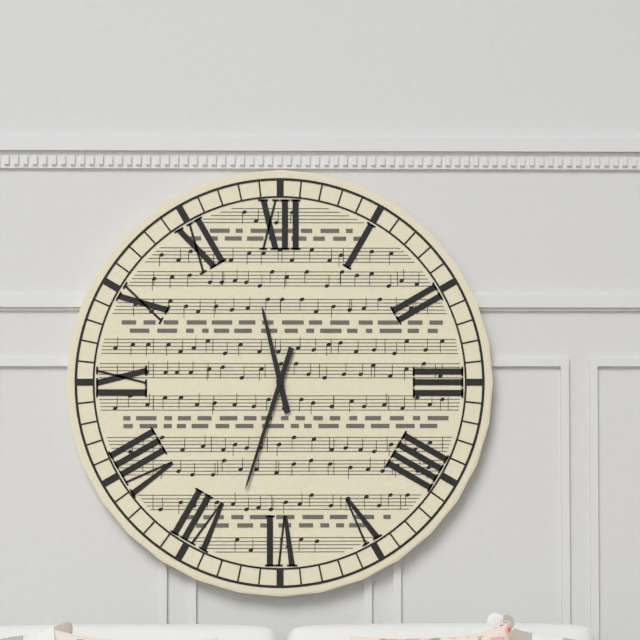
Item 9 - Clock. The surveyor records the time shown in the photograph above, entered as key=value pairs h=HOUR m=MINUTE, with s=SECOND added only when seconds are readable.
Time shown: h=11 m=33
